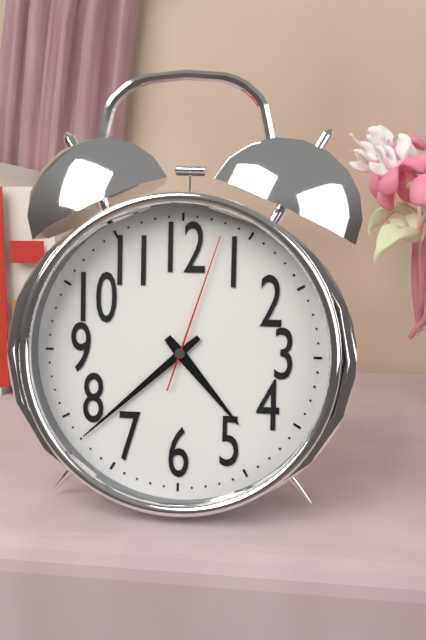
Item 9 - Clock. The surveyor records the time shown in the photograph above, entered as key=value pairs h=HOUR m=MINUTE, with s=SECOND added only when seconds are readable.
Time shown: h=4 m=38 s=3
